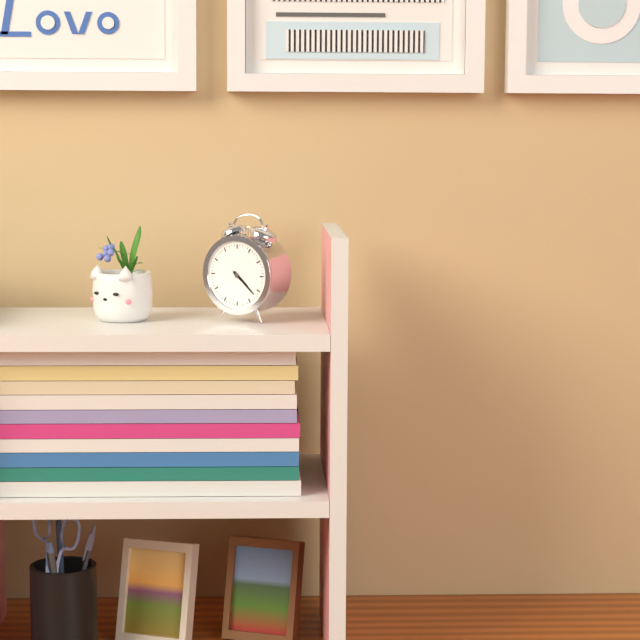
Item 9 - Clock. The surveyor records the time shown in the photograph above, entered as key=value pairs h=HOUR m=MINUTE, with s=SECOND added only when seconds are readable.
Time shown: h=4 m=22
